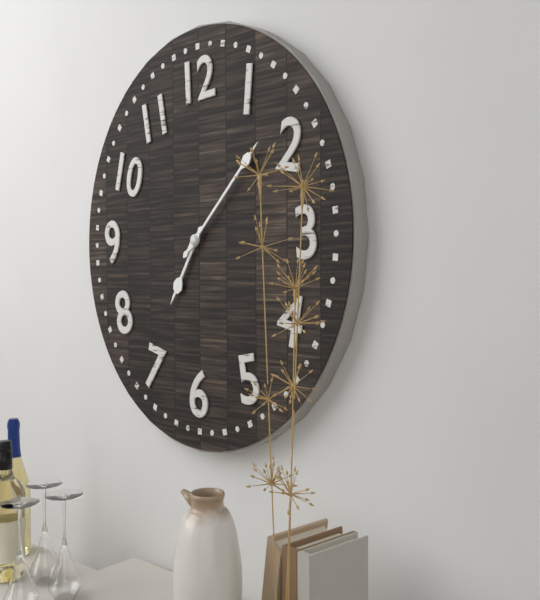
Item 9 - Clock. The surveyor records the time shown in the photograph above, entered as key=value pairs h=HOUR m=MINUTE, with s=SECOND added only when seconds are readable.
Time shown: h=7 m=8
